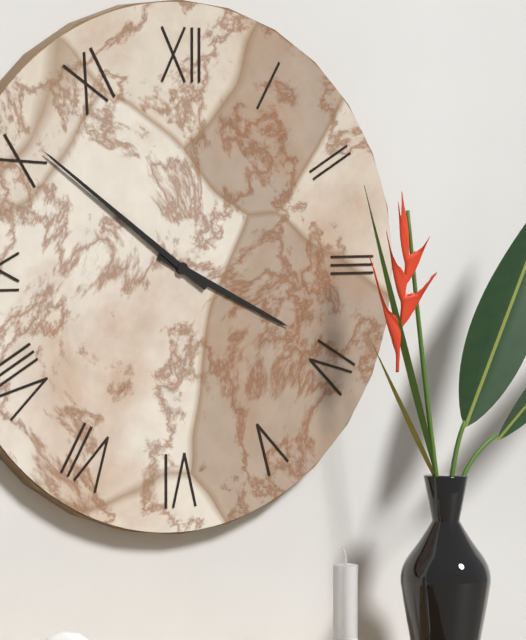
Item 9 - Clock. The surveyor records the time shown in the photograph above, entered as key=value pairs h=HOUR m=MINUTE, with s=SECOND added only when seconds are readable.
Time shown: h=3 m=51
